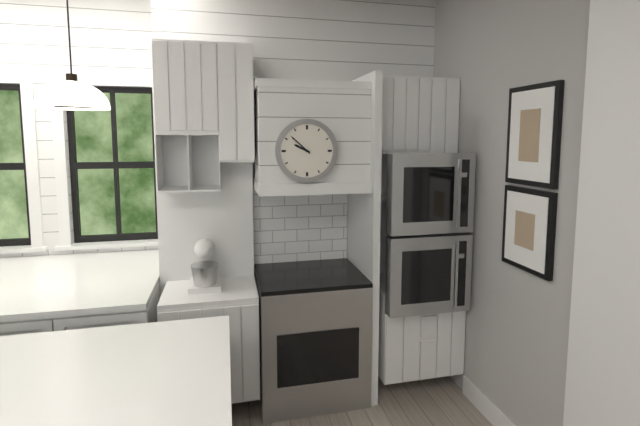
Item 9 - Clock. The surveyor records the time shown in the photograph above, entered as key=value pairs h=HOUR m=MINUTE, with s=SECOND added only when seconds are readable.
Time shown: h=9 m=52
